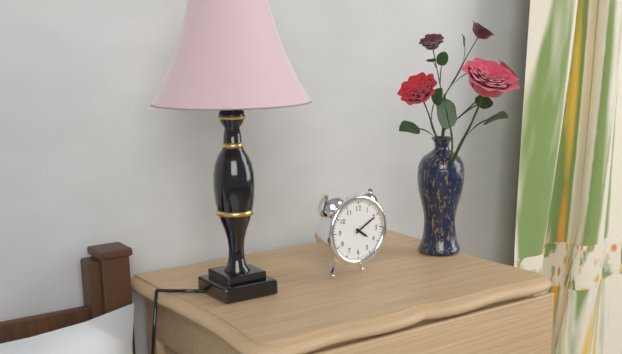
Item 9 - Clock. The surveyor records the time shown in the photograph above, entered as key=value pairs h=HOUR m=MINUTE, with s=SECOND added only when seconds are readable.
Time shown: h=4 m=10
